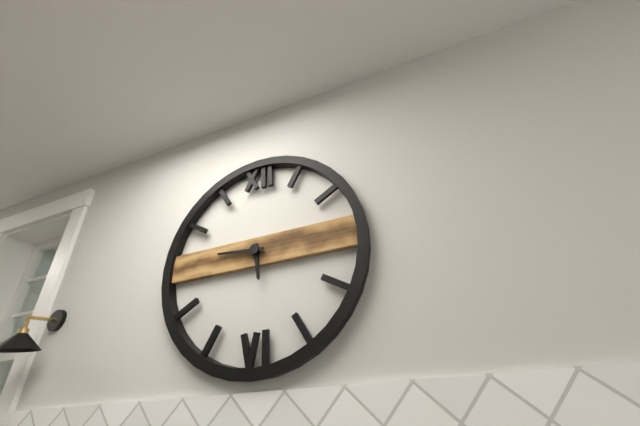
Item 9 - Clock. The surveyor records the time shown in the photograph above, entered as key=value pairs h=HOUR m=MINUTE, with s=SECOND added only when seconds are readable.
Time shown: h=5 m=46
